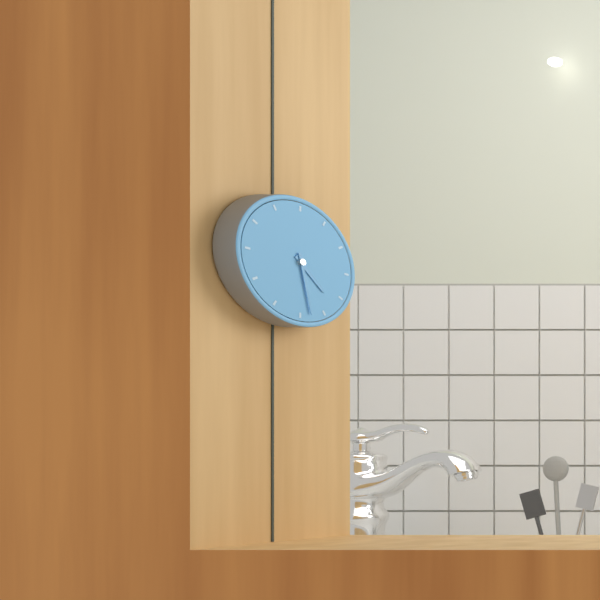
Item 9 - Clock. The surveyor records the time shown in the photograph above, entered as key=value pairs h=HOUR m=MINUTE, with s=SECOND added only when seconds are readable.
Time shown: h=4 m=28
